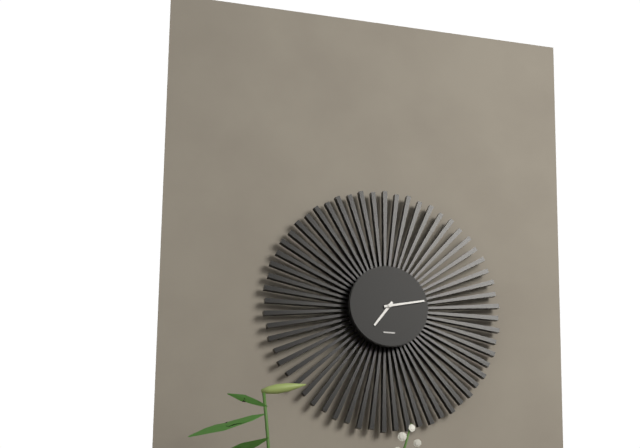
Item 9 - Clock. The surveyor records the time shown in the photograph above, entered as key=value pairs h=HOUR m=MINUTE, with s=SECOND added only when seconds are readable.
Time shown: h=7 m=13
